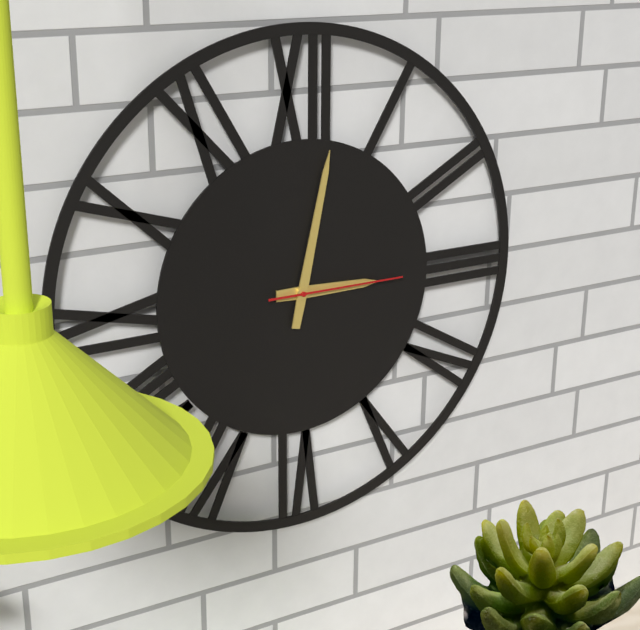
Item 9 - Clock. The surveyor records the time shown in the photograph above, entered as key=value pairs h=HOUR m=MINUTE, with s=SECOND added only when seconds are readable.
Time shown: h=3 m=2 s=15
